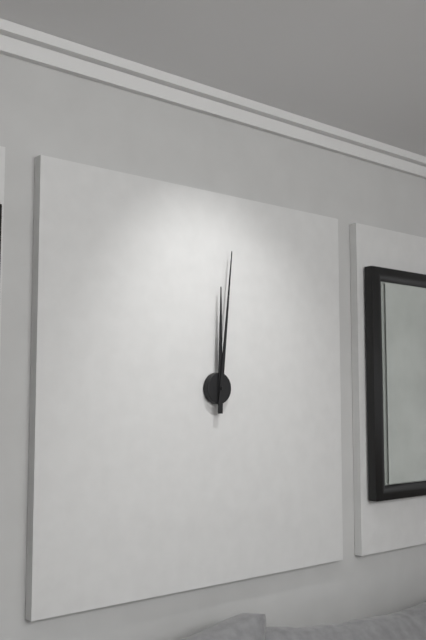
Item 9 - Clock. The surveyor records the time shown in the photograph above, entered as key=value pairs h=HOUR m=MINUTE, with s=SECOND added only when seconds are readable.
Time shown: h=12 m=1
